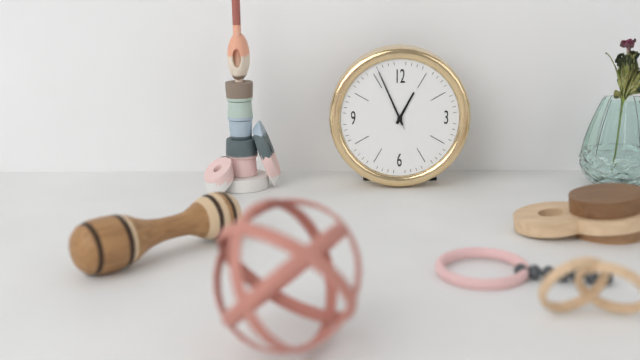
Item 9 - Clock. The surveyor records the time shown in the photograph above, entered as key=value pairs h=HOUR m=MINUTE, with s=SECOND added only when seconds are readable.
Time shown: h=12 m=56 s=56
